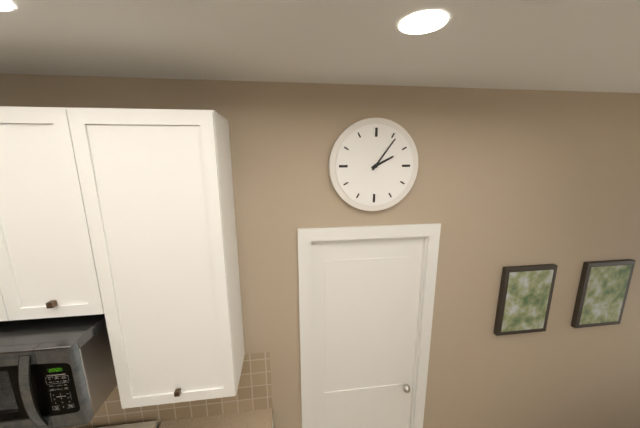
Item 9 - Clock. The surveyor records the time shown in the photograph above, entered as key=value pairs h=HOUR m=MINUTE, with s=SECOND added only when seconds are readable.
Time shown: h=2 m=6
